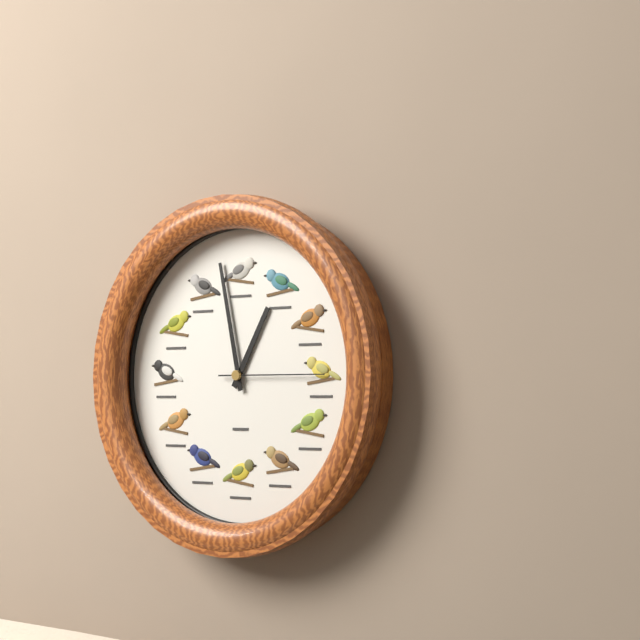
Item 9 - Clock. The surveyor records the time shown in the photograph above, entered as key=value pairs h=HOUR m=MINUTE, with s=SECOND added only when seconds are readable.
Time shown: h=12 m=58 s=15
